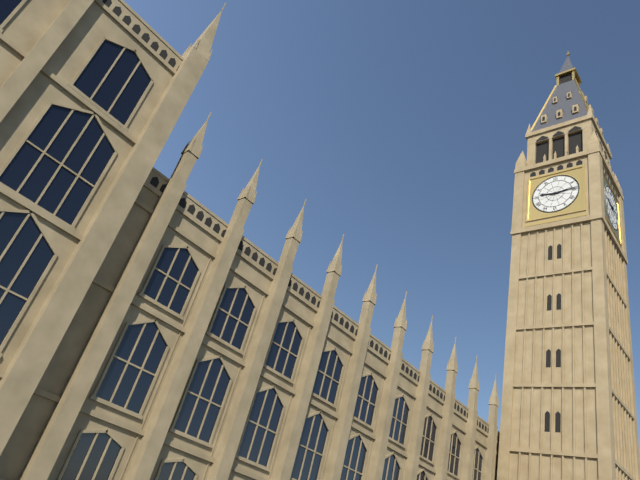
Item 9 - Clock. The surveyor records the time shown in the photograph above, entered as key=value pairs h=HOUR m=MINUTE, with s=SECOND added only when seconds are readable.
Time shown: h=9 m=14
